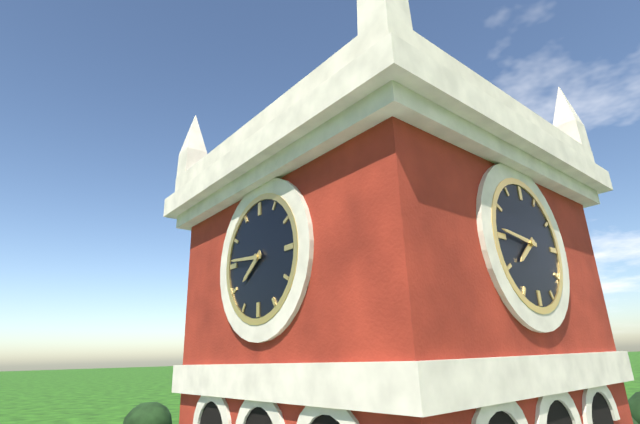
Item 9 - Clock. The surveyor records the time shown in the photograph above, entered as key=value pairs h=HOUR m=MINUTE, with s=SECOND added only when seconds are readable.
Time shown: h=7 m=46
